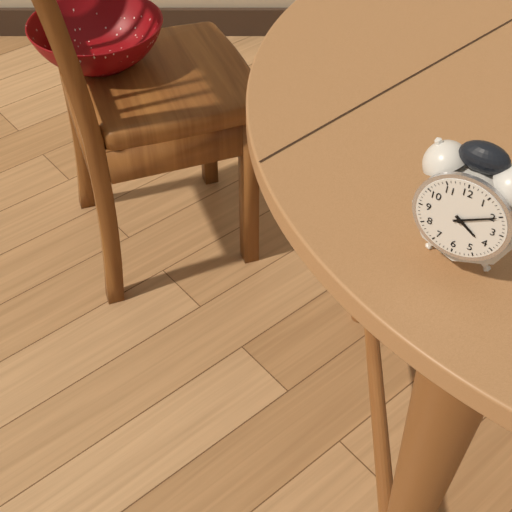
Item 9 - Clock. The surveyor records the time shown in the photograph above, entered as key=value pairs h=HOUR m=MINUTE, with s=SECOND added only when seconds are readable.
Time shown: h=4 m=10
